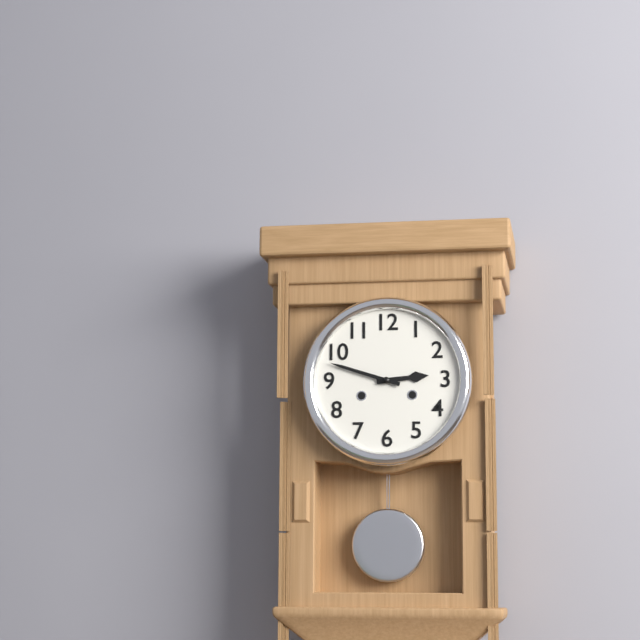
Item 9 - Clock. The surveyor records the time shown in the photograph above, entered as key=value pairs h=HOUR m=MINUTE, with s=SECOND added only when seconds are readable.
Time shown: h=2 m=48
